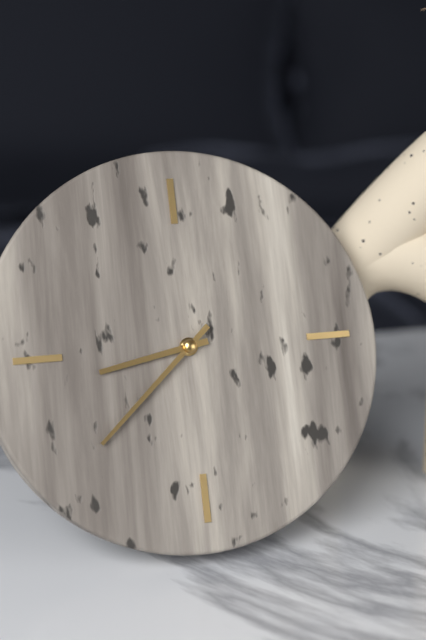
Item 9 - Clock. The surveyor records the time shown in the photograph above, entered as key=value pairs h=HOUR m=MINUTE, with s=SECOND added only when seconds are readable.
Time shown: h=8 m=38
